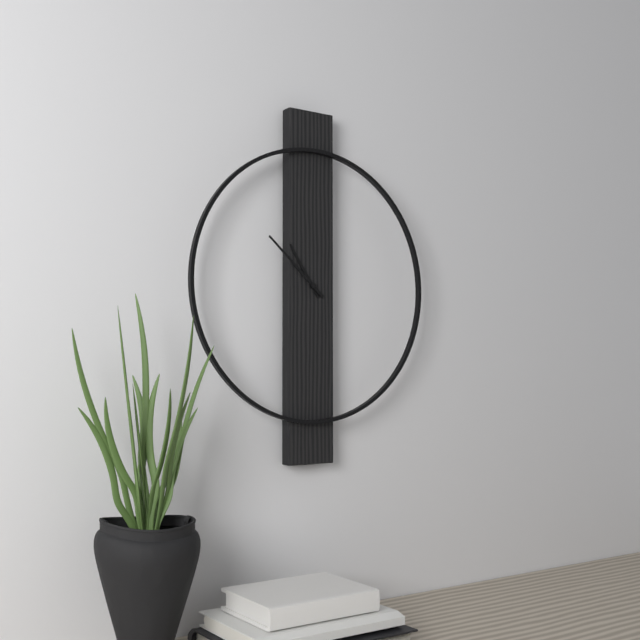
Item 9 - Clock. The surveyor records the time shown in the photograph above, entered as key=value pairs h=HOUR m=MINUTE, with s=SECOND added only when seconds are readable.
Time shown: h=10 m=52
